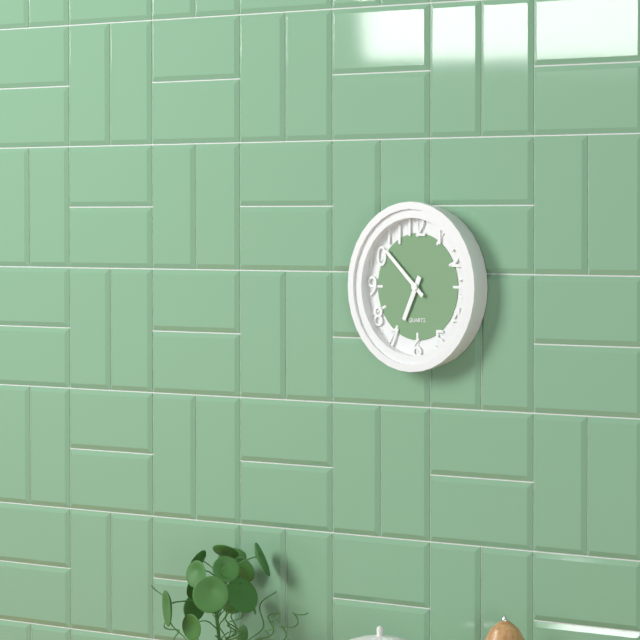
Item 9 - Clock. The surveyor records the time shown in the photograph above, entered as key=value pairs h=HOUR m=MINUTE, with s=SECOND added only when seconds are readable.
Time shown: h=6 m=52
